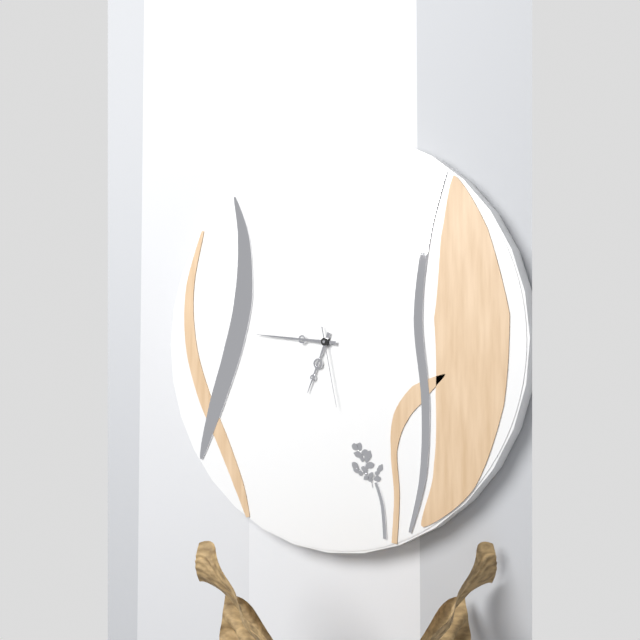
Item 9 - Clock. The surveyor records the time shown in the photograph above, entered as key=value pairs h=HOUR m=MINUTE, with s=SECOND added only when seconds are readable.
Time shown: h=6 m=46 s=28
